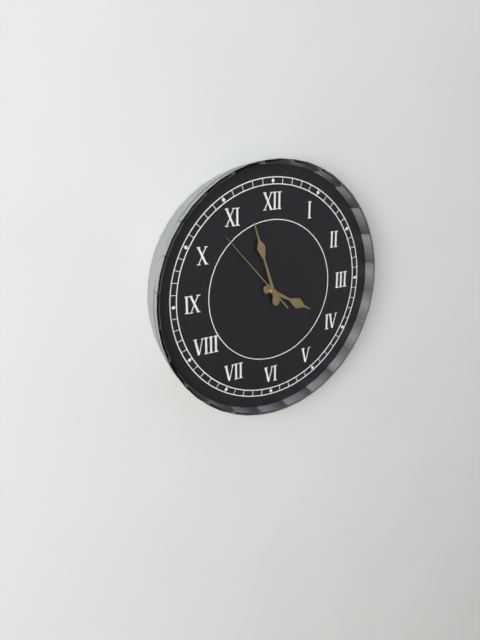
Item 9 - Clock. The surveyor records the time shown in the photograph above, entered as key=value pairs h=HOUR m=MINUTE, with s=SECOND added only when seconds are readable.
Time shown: h=3 m=57 s=53
